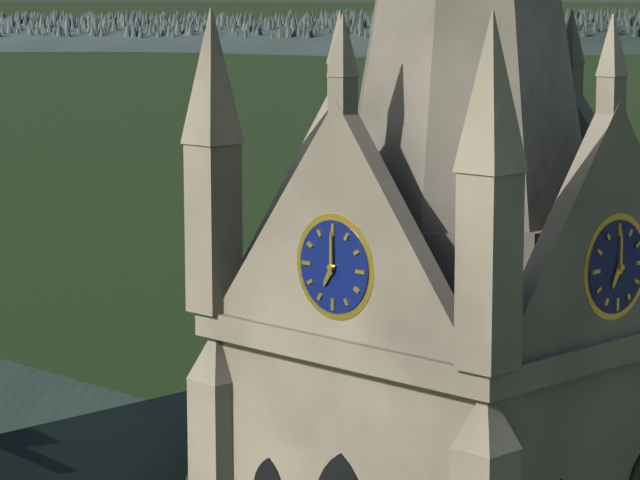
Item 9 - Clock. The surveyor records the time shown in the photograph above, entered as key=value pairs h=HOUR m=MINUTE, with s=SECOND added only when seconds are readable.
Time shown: h=7 m=0
